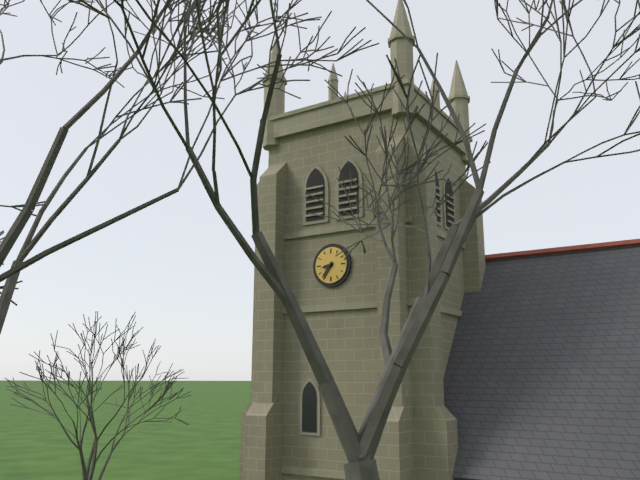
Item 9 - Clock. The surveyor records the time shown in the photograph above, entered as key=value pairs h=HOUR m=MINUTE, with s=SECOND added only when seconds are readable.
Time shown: h=8 m=36
